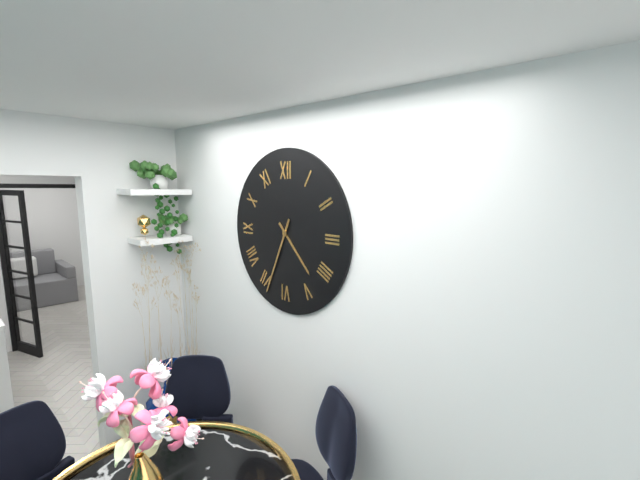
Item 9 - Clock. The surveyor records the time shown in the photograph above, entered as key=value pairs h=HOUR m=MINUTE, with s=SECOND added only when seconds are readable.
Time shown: h=4 m=34
